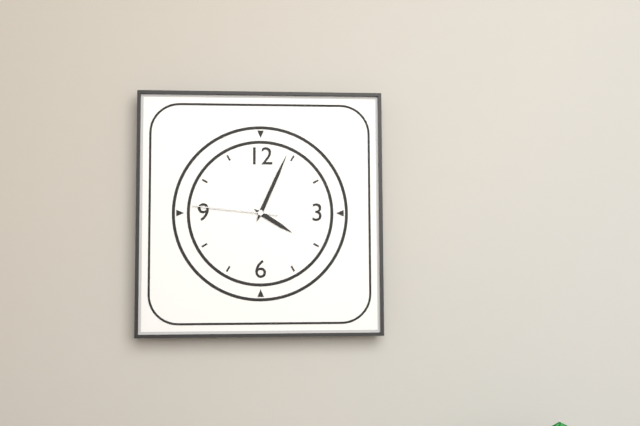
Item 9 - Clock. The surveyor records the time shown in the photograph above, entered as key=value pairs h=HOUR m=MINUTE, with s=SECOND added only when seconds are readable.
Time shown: h=4 m=4 s=46
